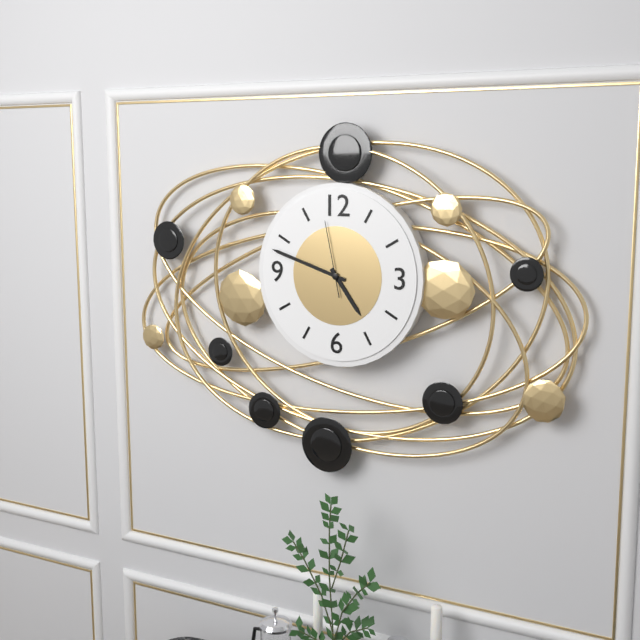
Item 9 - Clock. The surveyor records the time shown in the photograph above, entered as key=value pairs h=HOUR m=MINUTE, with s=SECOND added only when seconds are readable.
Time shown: h=4 m=48 s=58
